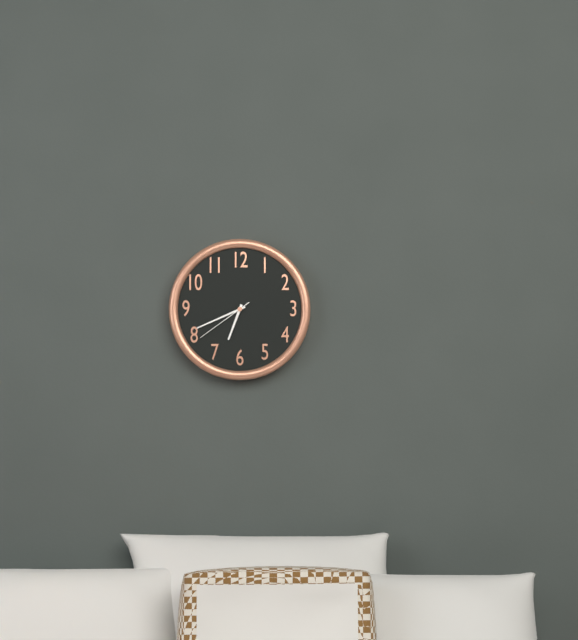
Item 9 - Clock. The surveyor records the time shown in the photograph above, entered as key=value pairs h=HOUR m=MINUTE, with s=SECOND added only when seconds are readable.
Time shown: h=6 m=41 s=39
